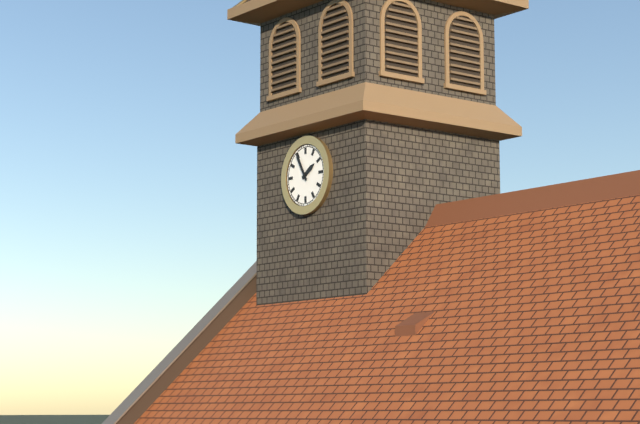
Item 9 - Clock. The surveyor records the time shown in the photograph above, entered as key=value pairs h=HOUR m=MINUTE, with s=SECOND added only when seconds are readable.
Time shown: h=1 m=55
